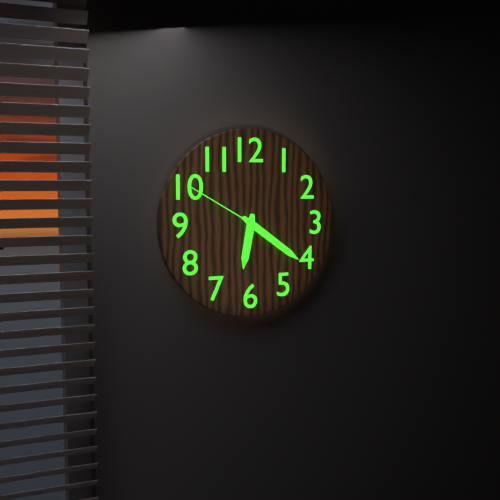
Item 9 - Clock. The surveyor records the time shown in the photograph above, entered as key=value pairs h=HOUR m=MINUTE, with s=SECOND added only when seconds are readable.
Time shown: h=6 m=21 s=50
